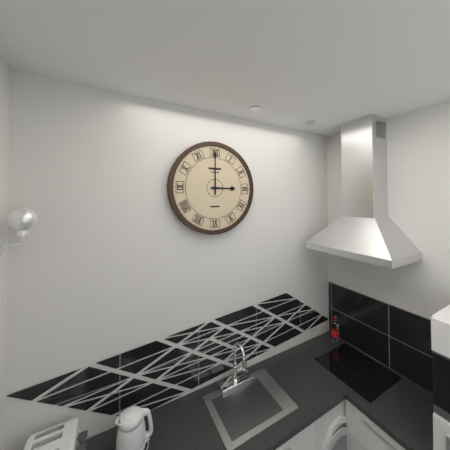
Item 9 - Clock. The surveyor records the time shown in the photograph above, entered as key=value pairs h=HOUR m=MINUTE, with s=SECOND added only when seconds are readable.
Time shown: h=3 m=0
